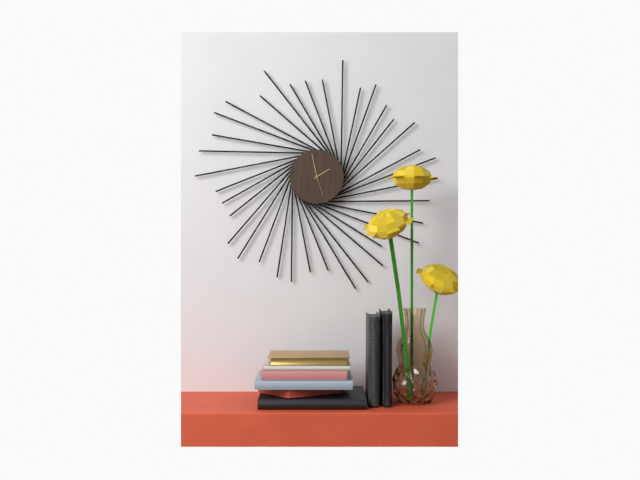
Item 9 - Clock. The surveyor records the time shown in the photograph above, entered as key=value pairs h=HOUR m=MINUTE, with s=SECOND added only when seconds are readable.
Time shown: h=1 m=58
